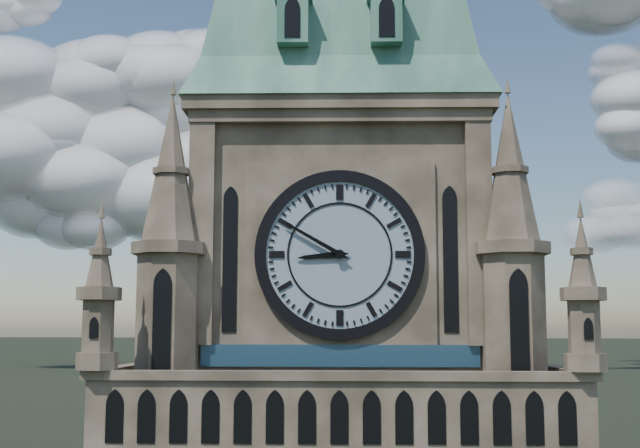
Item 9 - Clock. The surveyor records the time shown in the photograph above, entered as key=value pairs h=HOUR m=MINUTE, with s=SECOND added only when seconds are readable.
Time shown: h=8 m=50
